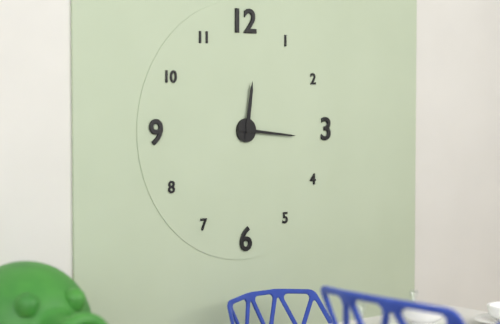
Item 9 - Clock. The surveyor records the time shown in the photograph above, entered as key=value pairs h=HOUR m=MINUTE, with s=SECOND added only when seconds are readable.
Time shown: h=12 m=16
